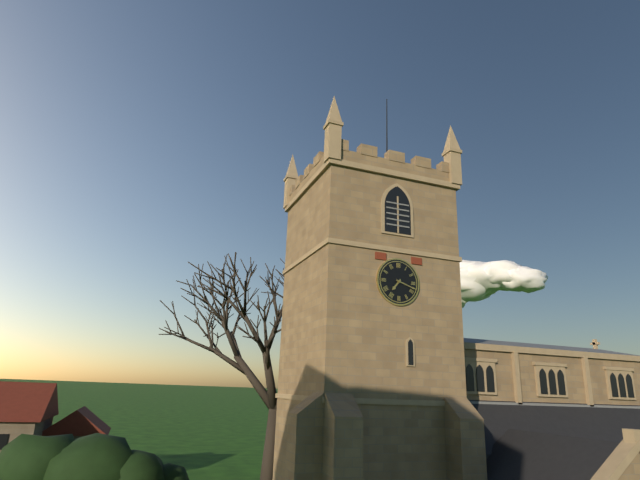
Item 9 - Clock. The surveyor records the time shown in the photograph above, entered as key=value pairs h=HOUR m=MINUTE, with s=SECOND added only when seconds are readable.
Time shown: h=7 m=18
